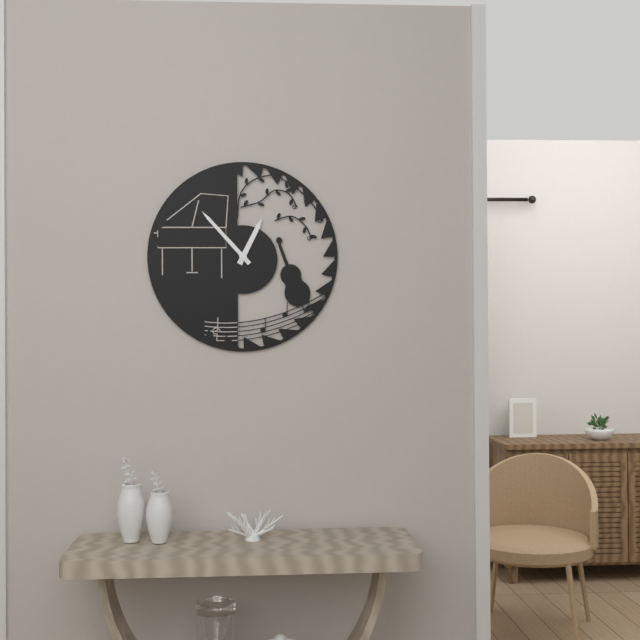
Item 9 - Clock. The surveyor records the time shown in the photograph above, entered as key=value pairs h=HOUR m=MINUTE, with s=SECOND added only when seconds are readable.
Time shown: h=12 m=53
